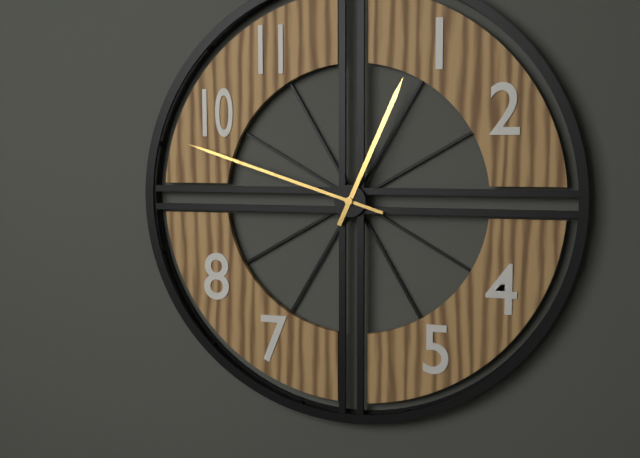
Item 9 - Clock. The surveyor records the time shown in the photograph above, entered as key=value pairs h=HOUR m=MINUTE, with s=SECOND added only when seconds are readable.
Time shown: h=12 m=48
